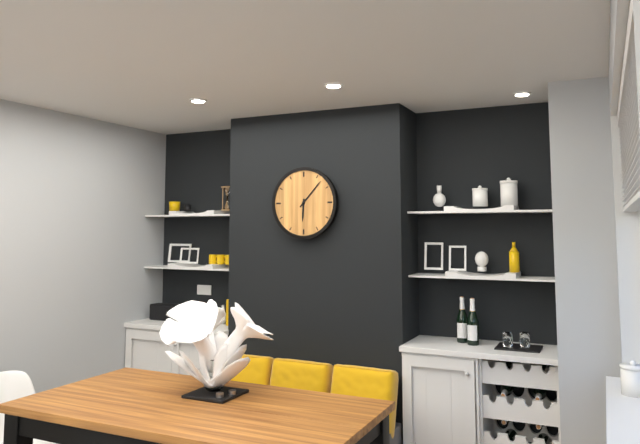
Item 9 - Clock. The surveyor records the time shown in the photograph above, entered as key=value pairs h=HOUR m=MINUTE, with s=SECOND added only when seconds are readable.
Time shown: h=6 m=7
